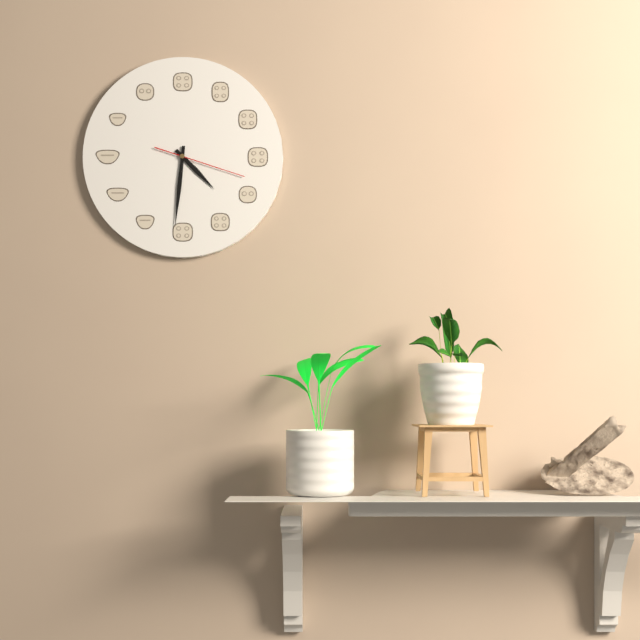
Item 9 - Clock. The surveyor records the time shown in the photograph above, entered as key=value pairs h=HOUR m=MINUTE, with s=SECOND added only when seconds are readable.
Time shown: h=4 m=31 s=18
